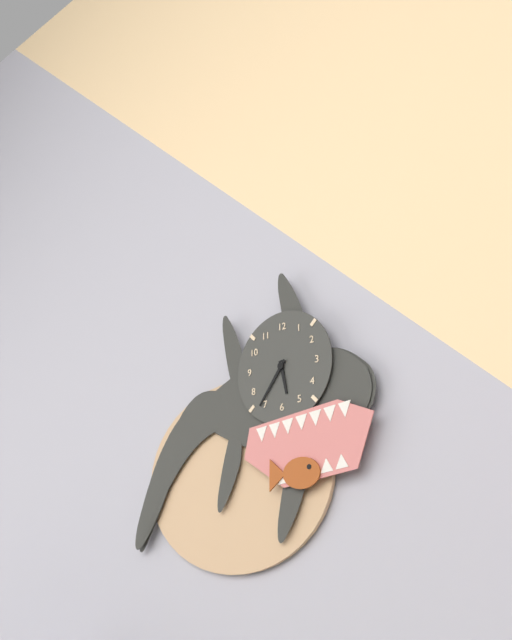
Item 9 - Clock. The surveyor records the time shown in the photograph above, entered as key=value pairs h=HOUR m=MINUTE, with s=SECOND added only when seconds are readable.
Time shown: h=5 m=36
